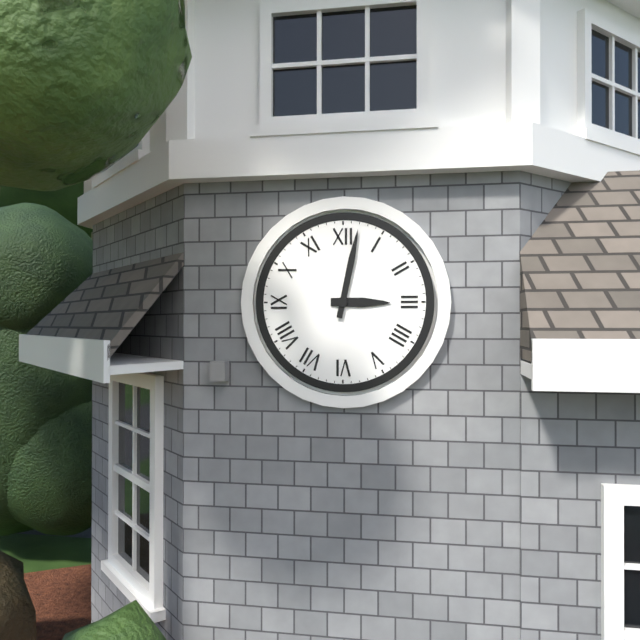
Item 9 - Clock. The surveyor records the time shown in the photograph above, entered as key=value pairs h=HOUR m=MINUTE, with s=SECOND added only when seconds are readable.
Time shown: h=3 m=2
